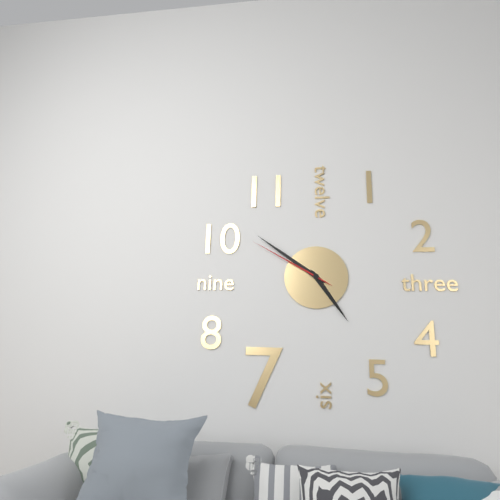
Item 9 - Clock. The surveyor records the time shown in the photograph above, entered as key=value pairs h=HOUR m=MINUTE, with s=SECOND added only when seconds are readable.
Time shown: h=4 m=51 s=50
